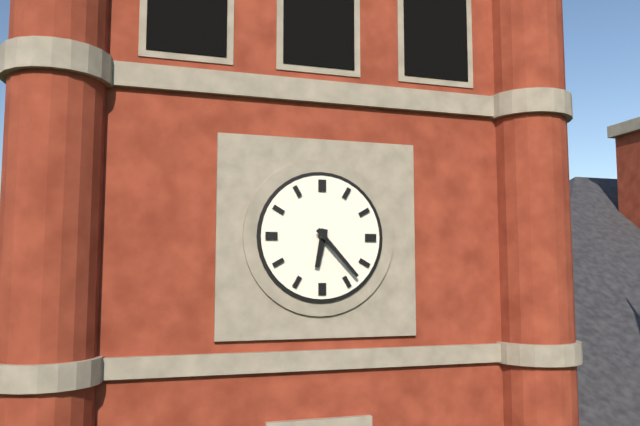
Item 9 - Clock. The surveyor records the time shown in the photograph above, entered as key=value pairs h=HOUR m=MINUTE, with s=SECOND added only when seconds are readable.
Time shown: h=6 m=23
